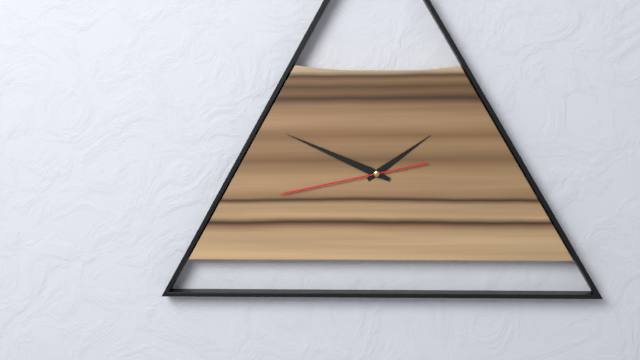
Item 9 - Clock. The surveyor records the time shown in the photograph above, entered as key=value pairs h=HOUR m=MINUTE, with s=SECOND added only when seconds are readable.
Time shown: h=1 m=49 s=43
